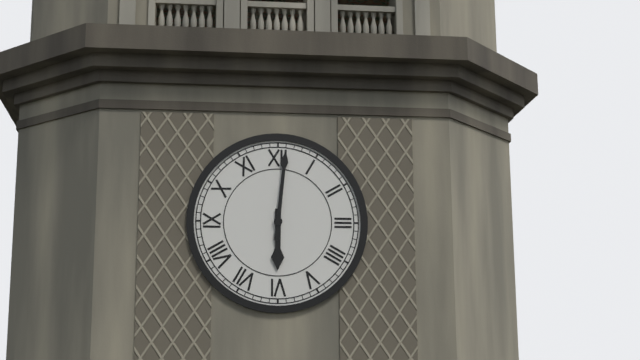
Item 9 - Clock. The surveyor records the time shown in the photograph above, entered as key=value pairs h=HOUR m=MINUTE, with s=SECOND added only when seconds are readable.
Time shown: h=6 m=1
